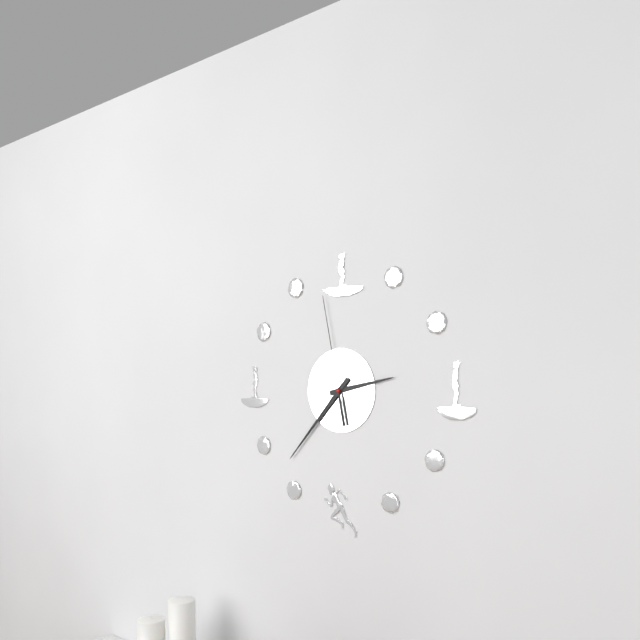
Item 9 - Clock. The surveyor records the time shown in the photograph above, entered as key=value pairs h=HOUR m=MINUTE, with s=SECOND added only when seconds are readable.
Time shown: h=2 m=37 s=58
